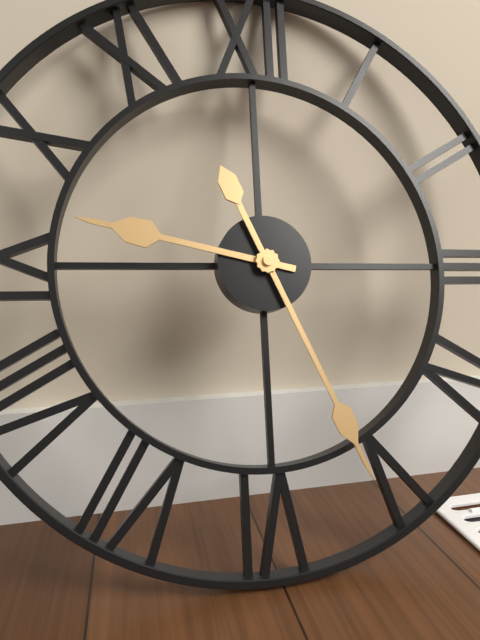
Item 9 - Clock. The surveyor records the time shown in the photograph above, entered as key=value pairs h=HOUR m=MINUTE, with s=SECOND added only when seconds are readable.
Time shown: h=9 m=26
